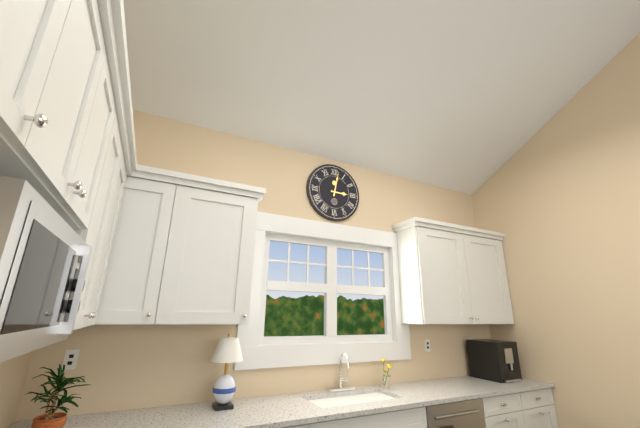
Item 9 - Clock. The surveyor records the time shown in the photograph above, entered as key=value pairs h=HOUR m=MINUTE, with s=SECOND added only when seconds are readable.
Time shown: h=3 m=2
